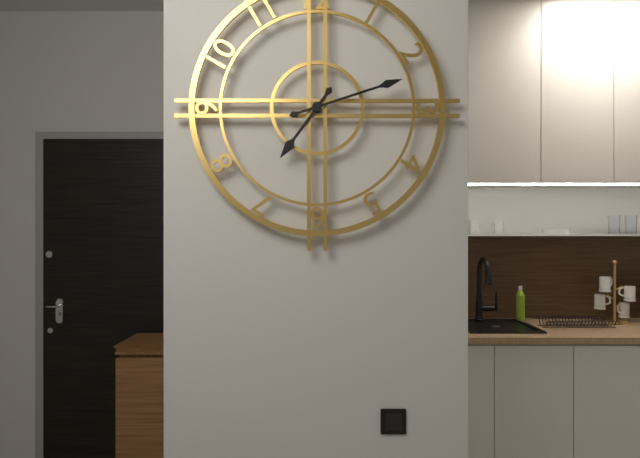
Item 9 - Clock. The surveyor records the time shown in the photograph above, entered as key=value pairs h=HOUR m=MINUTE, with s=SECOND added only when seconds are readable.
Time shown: h=7 m=12
